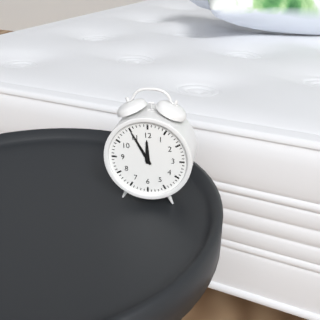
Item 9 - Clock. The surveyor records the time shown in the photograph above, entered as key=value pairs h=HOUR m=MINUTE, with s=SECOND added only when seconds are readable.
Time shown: h=11 m=55
